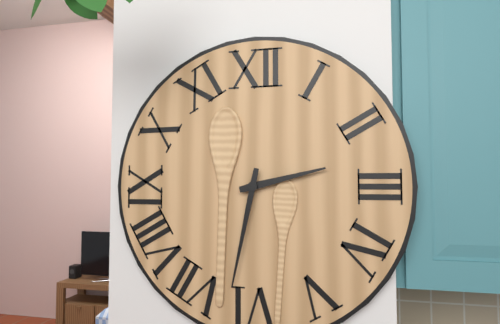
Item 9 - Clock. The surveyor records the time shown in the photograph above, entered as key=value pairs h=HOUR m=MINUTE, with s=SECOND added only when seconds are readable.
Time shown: h=2 m=32
